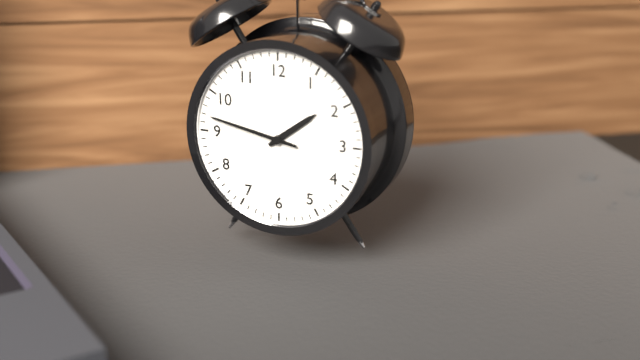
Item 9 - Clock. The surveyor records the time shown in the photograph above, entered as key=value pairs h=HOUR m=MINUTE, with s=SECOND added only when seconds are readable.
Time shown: h=1 m=47
